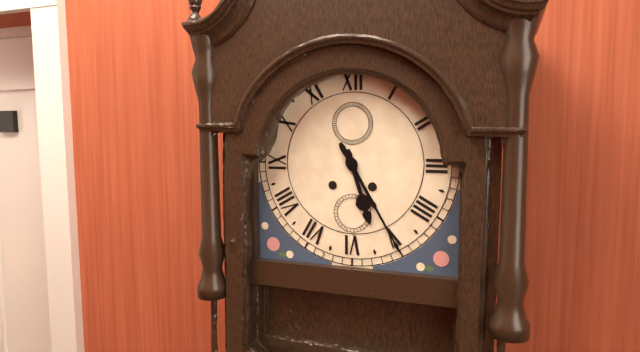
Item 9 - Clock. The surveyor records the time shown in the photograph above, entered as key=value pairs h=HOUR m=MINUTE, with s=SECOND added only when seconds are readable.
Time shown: h=5 m=25
